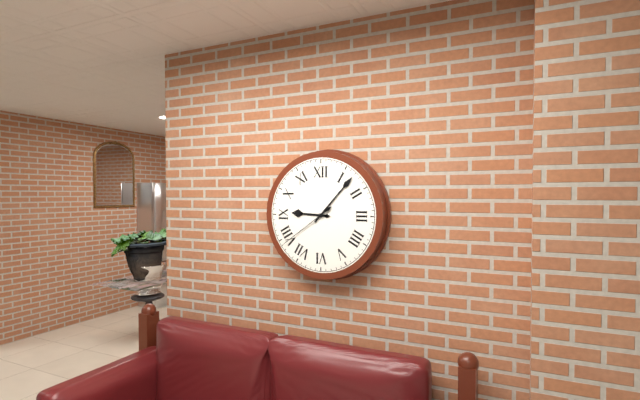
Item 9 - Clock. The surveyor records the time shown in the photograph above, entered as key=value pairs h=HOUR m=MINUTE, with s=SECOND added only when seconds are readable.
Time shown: h=9 m=7 s=39
